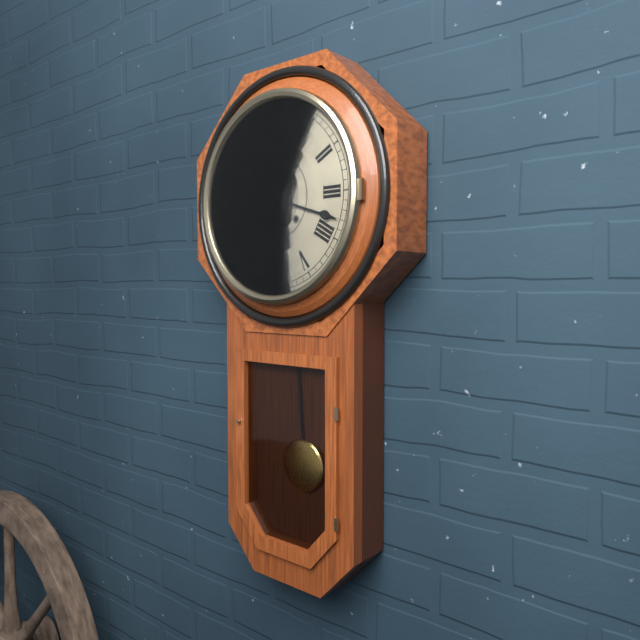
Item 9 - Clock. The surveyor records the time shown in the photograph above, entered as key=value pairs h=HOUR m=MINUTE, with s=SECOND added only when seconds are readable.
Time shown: h=5 m=18
